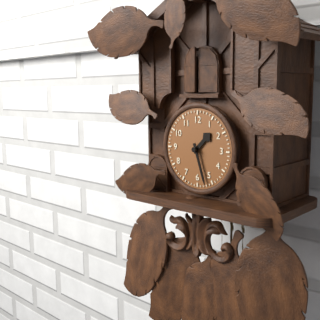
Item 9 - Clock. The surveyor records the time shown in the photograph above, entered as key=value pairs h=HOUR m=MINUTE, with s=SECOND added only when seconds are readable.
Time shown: h=1 m=27
